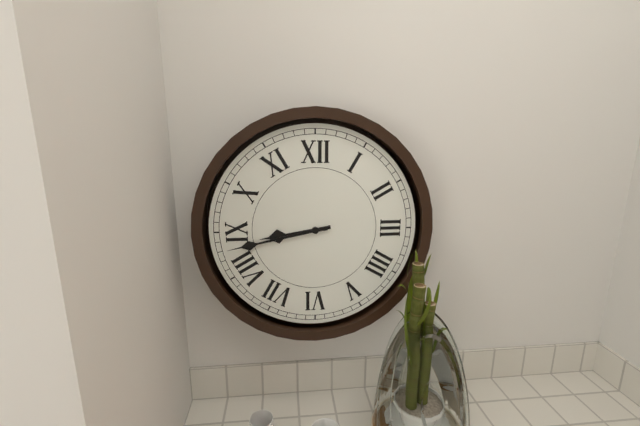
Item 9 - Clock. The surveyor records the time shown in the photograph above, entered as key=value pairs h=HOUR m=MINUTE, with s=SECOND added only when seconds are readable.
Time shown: h=8 m=43
